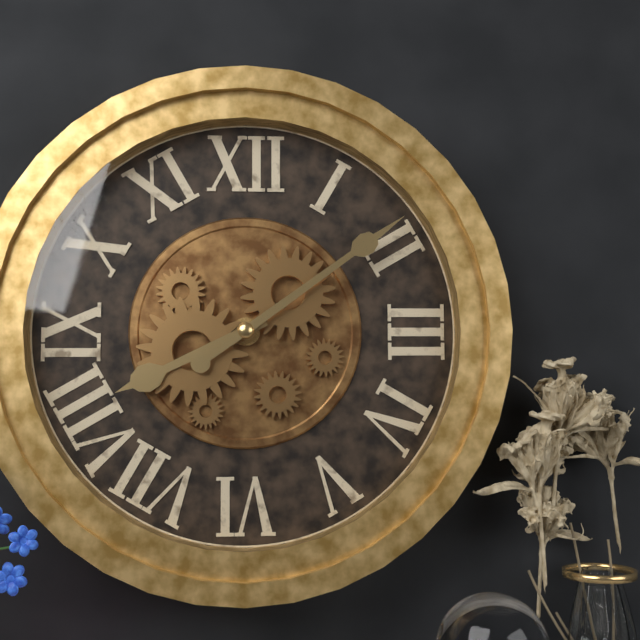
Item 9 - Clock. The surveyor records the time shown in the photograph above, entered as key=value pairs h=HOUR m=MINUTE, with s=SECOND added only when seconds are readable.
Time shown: h=8 m=9
